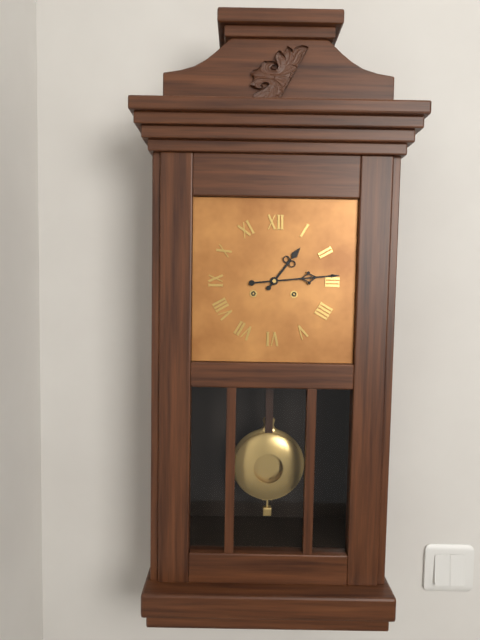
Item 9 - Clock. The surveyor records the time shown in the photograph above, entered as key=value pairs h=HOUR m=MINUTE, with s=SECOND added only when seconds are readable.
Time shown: h=1 m=14
